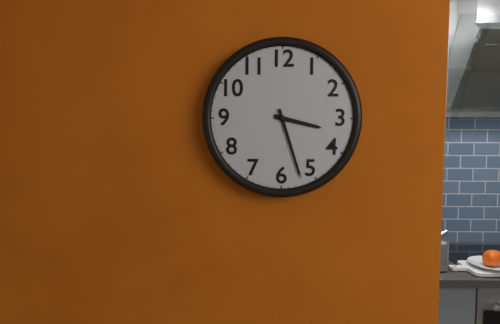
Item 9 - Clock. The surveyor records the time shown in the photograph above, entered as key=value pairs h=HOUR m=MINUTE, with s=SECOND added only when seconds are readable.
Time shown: h=3 m=27
